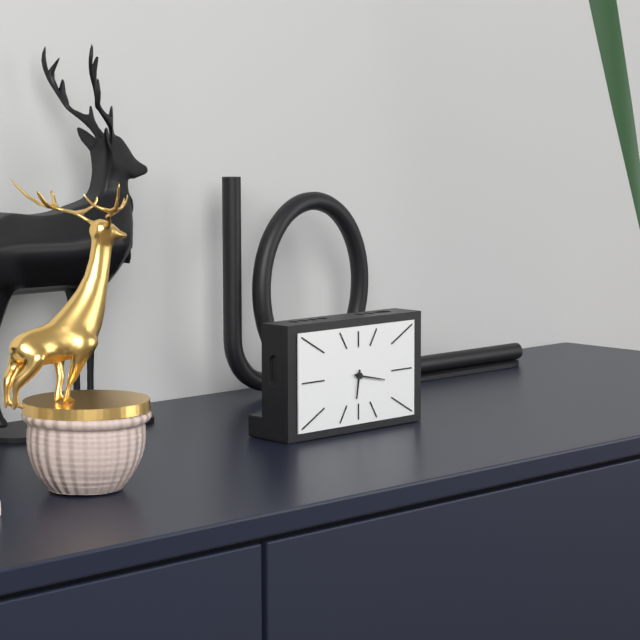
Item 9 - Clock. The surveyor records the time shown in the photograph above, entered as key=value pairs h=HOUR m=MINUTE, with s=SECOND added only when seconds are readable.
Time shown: h=6 m=17
